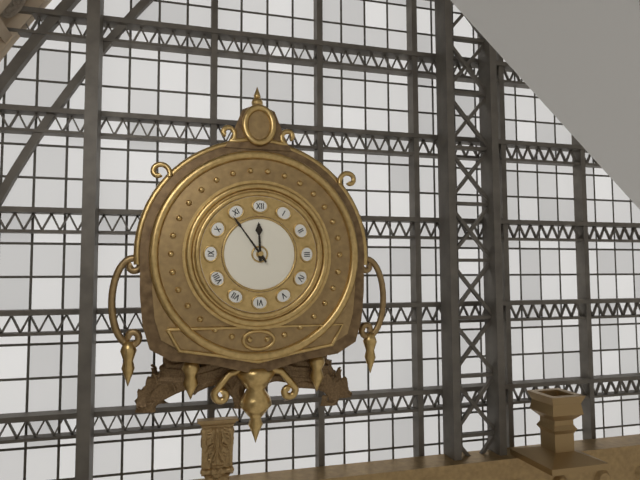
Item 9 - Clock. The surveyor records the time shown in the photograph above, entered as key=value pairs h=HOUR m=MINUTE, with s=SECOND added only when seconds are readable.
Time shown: h=11 m=54
